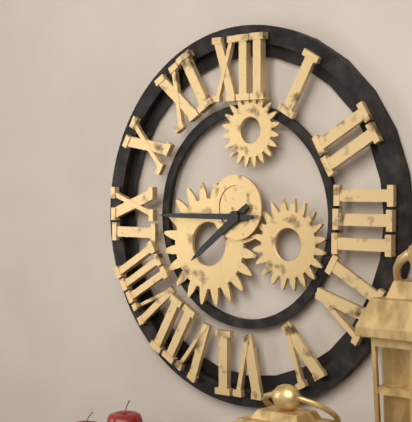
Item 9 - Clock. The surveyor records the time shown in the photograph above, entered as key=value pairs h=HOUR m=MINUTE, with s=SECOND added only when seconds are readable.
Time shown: h=7 m=45
